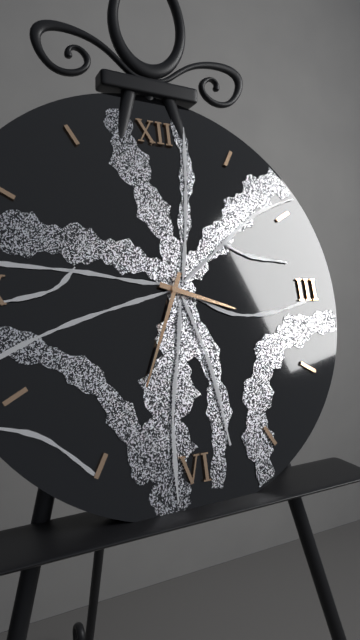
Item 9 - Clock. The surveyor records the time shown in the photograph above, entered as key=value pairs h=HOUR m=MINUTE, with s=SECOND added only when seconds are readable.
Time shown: h=3 m=34
